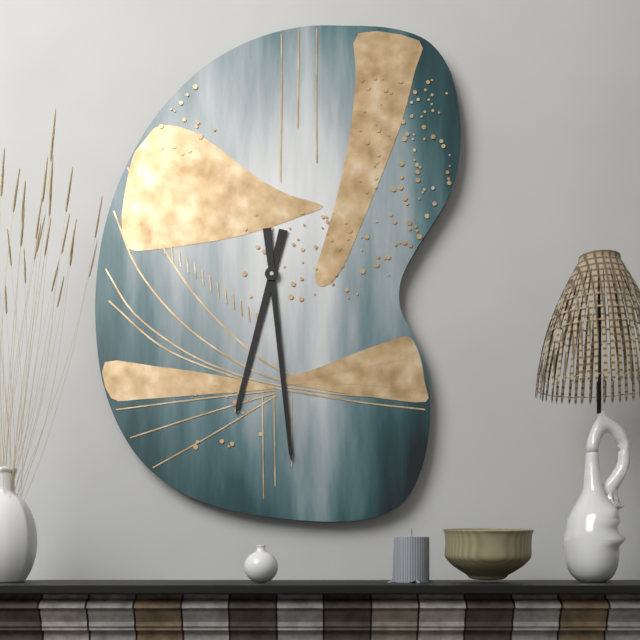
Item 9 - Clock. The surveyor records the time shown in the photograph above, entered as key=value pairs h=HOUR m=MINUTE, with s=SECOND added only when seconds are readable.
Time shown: h=6 m=29
